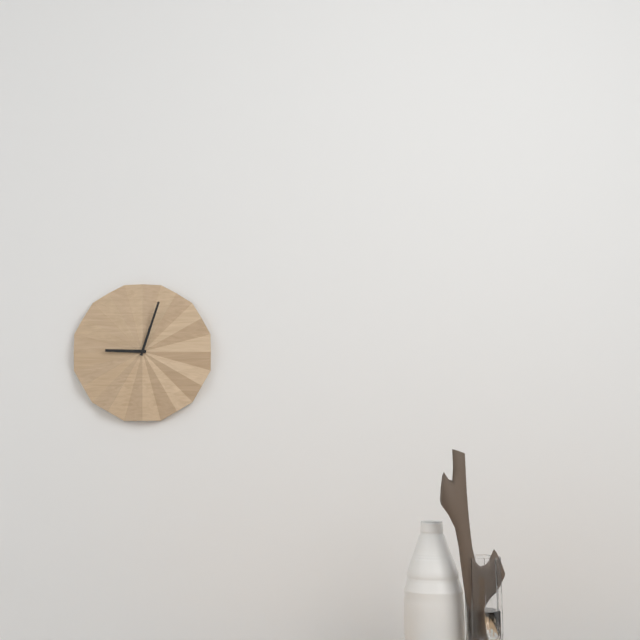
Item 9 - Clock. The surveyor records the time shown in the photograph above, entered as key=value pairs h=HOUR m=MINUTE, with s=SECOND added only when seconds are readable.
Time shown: h=9 m=3
